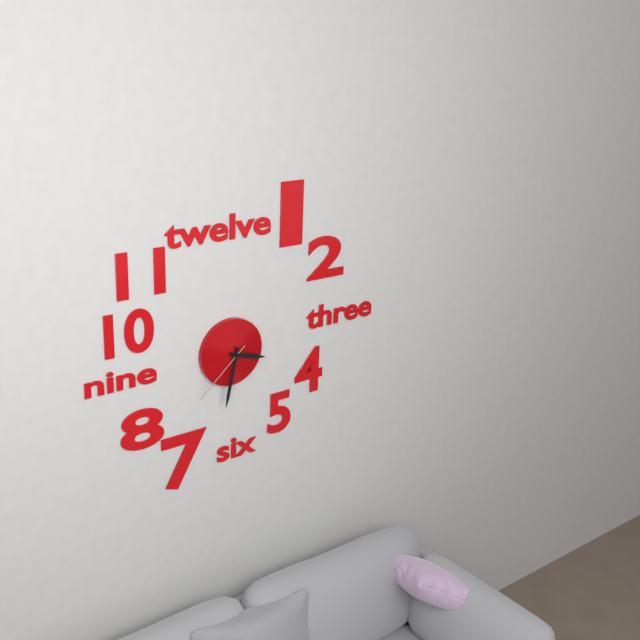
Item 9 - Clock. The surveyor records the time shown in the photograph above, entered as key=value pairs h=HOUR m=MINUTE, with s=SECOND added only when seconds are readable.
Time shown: h=3 m=32 s=38
